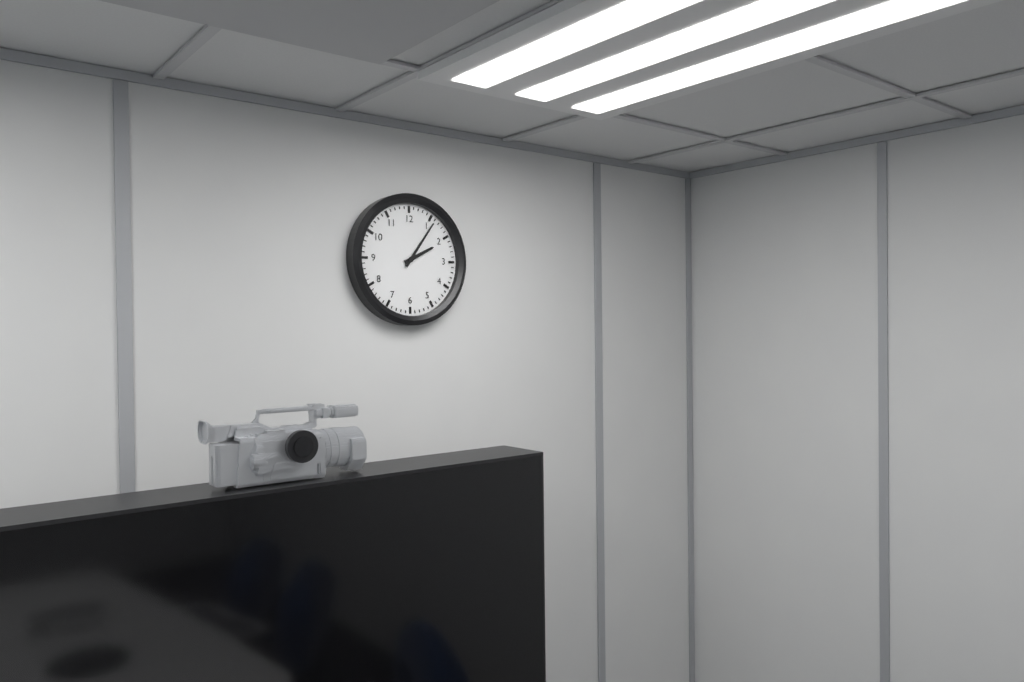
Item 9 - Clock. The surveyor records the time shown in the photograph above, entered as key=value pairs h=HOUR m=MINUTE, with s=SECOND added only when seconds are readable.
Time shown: h=2 m=6
